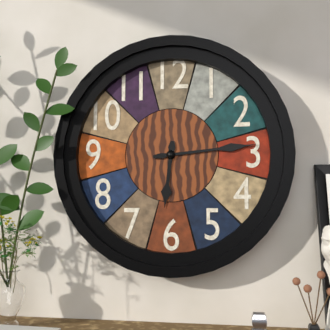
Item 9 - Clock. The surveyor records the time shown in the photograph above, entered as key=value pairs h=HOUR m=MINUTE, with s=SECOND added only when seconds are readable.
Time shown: h=6 m=14
